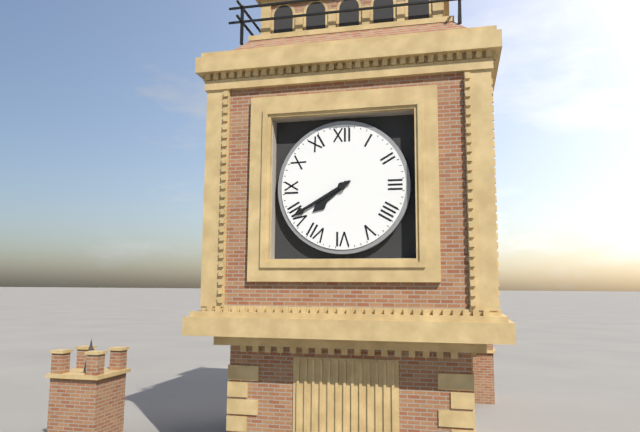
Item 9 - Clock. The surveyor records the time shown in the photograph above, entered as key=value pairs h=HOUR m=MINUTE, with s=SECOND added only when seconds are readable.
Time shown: h=7 m=40
